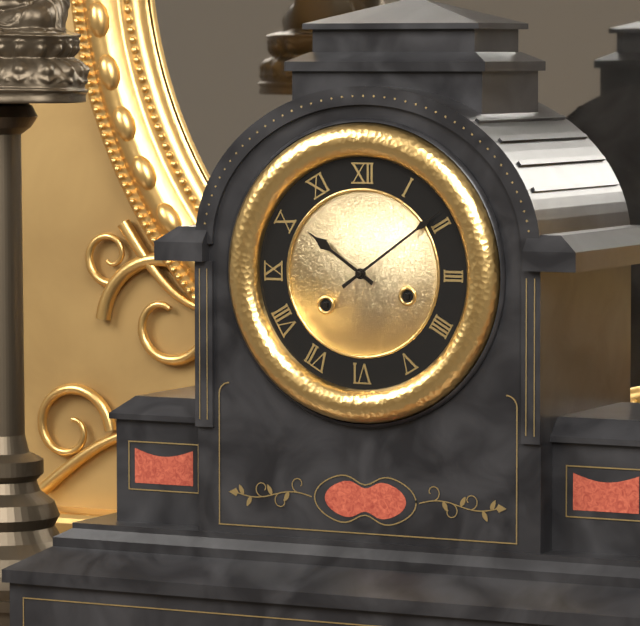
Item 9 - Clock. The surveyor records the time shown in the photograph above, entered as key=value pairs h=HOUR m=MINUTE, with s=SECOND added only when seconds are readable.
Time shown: h=10 m=9
